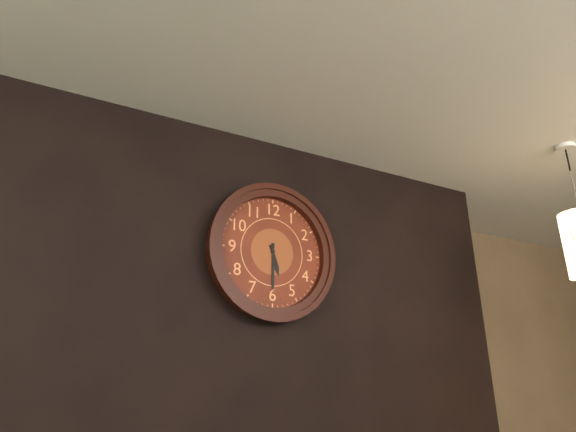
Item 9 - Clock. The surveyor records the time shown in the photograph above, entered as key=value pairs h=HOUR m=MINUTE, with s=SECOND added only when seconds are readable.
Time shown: h=5 m=30
